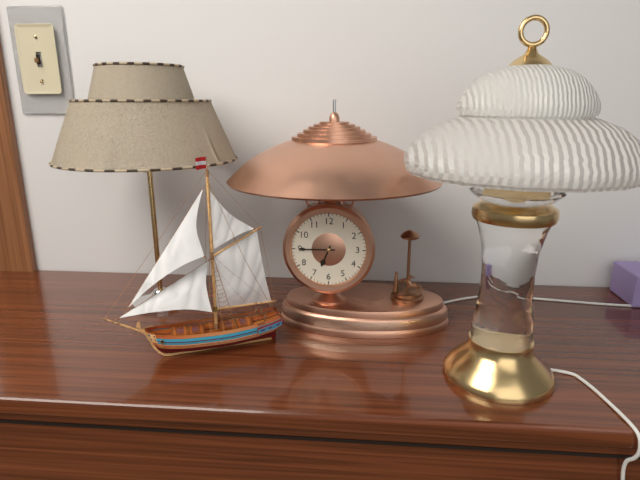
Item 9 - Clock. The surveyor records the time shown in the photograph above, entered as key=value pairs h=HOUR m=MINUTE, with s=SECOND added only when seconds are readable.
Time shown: h=6 m=45
